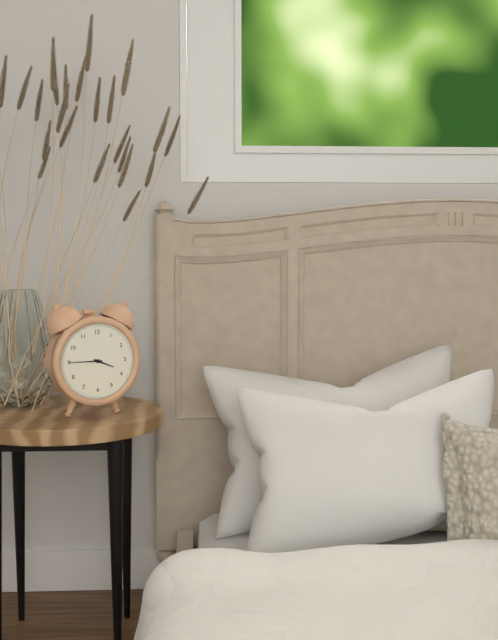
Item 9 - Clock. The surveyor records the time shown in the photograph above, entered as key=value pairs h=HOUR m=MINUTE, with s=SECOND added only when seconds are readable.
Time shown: h=3 m=45
